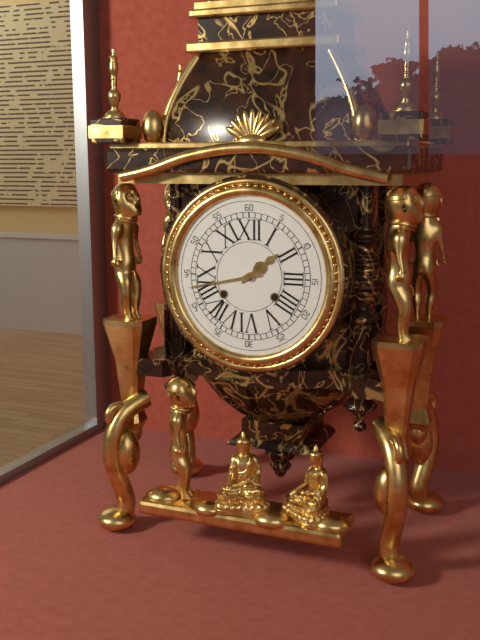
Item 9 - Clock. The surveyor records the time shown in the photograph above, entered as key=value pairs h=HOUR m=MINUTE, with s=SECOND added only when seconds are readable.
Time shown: h=1 m=43
